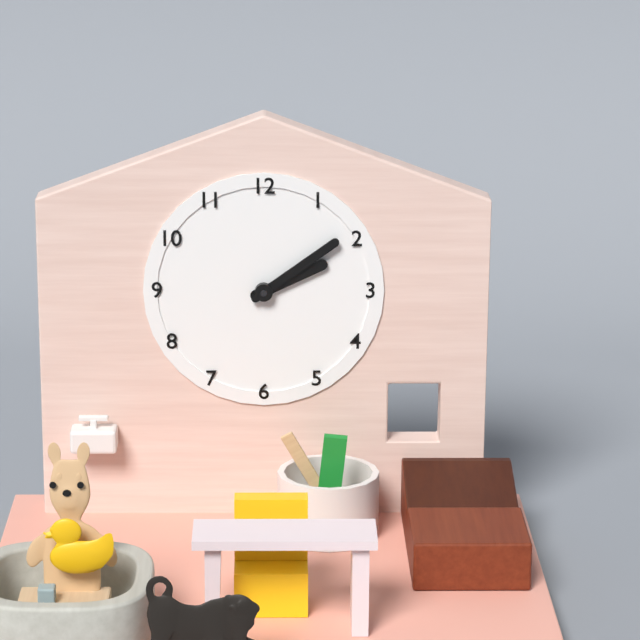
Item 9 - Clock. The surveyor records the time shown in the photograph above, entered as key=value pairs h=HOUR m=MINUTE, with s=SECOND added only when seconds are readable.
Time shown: h=2 m=9
